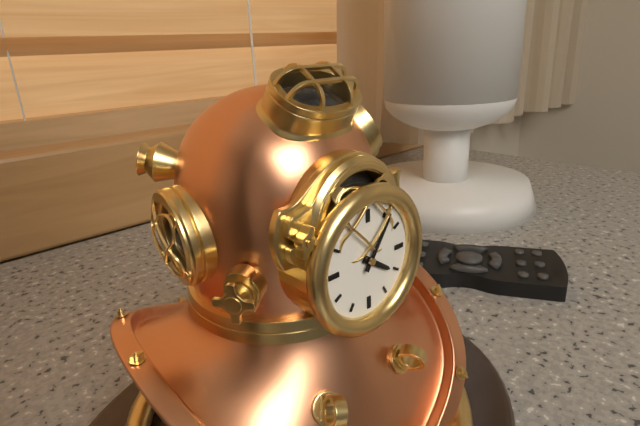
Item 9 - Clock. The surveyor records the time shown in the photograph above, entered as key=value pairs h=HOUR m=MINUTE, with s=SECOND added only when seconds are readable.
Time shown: h=4 m=6
